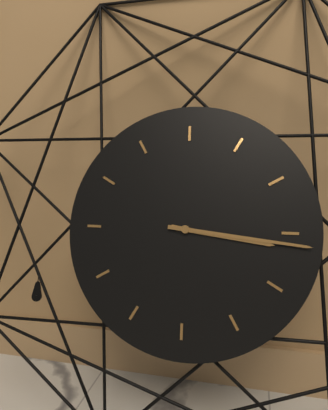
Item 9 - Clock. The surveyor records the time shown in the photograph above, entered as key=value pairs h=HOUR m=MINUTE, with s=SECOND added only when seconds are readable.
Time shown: h=3 m=16
